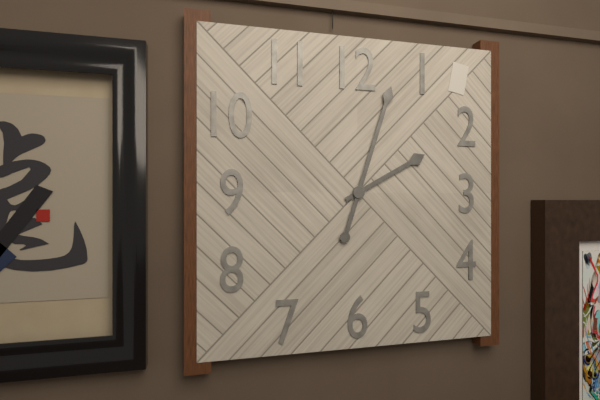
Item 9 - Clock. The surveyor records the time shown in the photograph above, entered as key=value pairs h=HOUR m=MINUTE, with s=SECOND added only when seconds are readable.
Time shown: h=2 m=3
